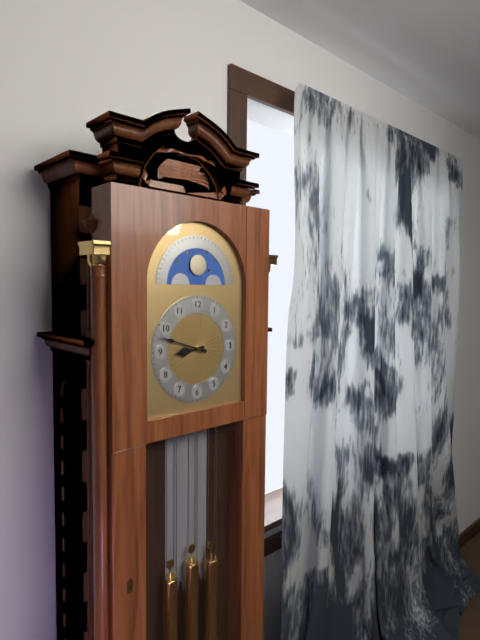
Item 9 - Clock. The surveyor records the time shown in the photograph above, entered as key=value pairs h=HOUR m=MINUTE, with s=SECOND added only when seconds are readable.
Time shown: h=8 m=48
